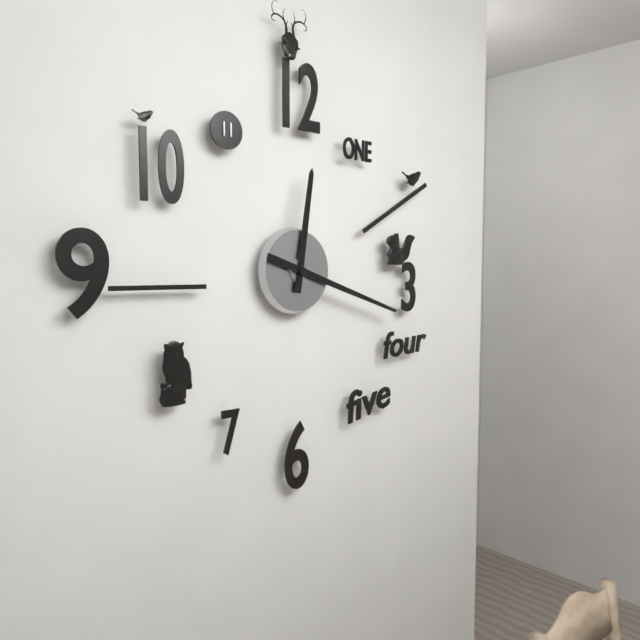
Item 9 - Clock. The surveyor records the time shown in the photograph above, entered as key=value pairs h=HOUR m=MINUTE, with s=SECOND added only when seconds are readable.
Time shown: h=12 m=18
